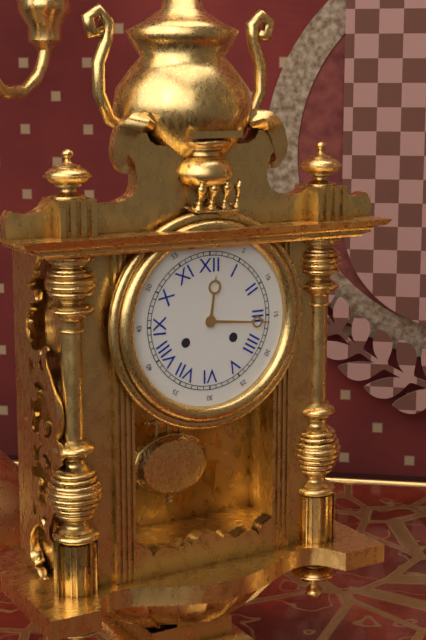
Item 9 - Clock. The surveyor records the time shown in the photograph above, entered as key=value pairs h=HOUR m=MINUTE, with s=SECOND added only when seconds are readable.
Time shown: h=12 m=16
